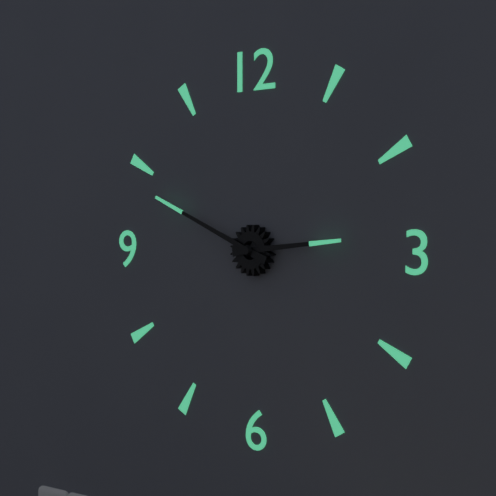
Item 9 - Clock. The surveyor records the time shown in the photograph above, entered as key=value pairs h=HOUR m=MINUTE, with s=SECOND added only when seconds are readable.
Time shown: h=2 m=49
